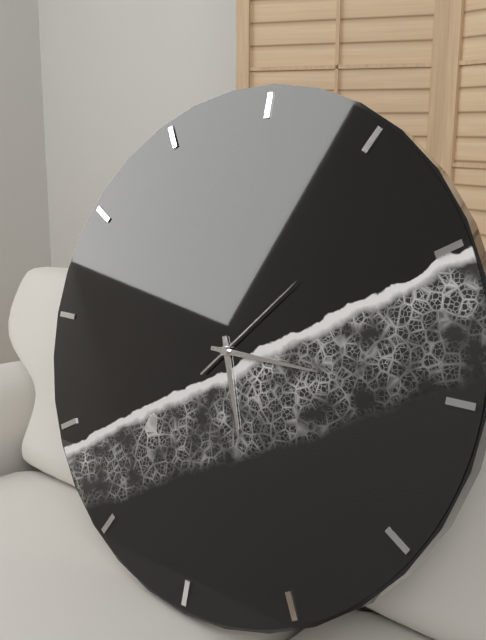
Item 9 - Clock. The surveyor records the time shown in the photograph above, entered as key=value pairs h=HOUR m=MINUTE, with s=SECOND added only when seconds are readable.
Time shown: h=5 m=15 s=7
